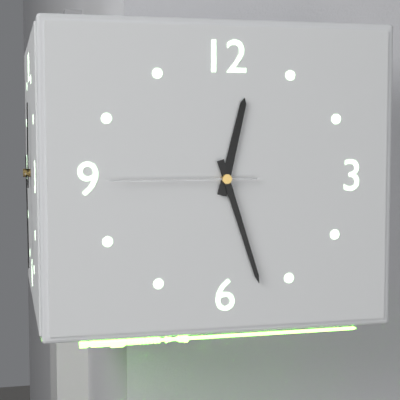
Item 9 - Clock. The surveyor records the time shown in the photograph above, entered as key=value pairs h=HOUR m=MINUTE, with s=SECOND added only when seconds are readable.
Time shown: h=12 m=27 s=45
